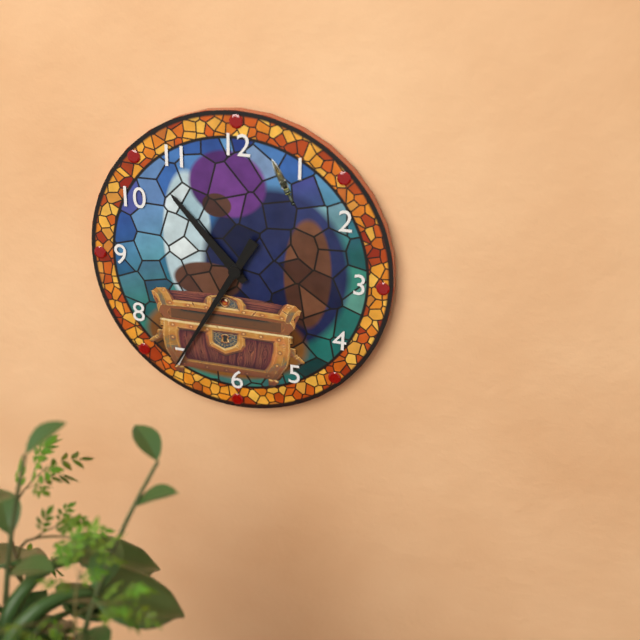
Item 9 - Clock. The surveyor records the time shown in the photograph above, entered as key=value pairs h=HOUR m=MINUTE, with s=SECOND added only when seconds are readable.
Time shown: h=10 m=35
